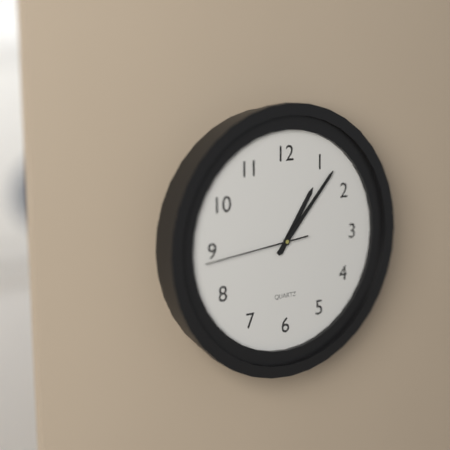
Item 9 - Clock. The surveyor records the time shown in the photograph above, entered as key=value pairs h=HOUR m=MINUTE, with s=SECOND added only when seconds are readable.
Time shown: h=1 m=7 s=44
